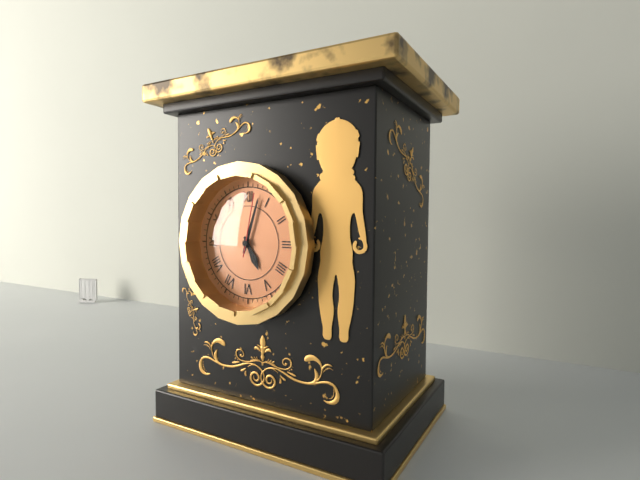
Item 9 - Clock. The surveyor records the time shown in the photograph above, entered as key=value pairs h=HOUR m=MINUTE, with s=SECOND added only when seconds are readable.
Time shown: h=5 m=3 s=2
